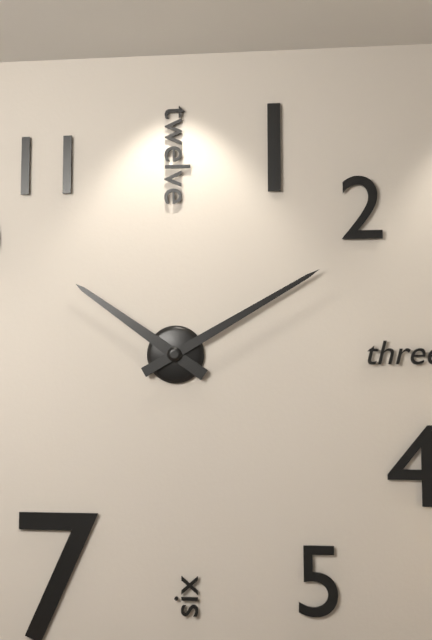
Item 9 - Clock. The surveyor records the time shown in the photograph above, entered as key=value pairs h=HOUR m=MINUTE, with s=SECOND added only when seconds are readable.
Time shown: h=10 m=10
